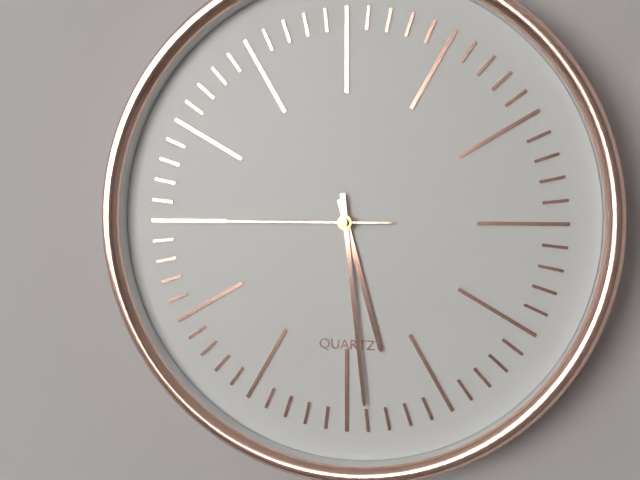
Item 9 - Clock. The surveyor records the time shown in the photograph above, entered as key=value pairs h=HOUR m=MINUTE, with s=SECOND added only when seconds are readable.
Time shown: h=5 m=29 s=45
